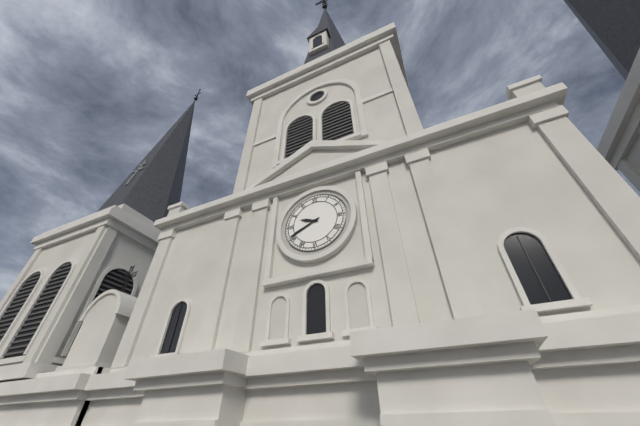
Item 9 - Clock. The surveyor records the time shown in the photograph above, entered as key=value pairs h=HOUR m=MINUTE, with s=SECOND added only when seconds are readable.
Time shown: h=9 m=41
